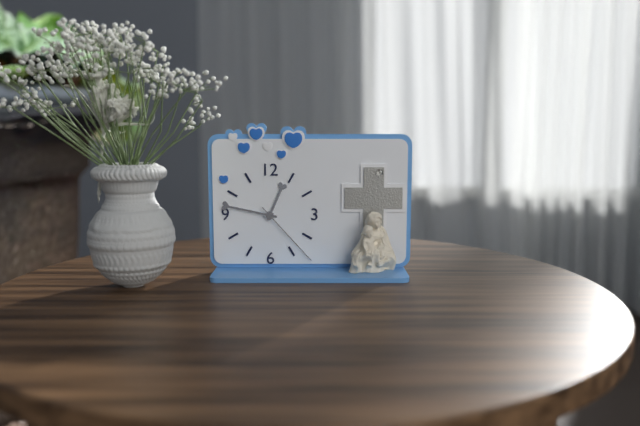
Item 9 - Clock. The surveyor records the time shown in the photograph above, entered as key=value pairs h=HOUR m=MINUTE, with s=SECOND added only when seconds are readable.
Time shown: h=12 m=47 s=23
